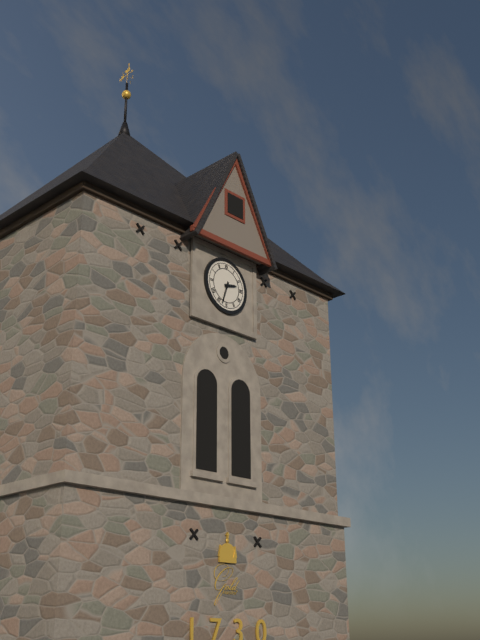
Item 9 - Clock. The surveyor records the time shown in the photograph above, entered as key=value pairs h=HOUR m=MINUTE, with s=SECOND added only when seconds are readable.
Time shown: h=2 m=33
